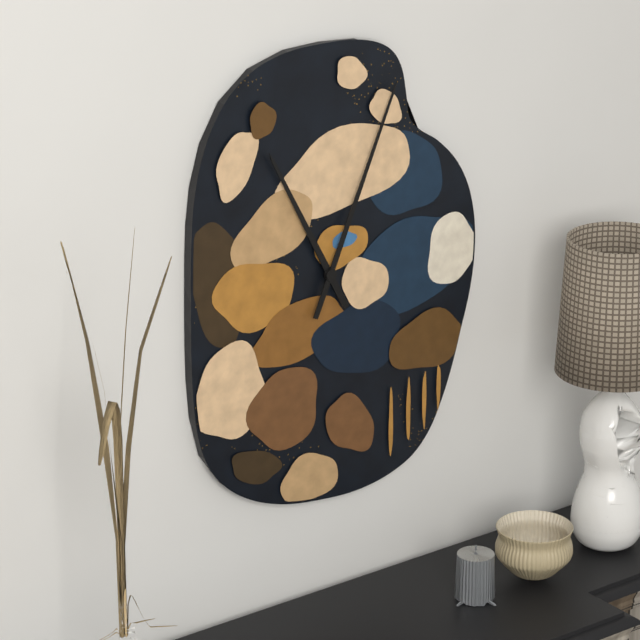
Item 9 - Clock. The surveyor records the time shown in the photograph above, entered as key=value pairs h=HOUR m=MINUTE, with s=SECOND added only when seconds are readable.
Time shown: h=11 m=4
